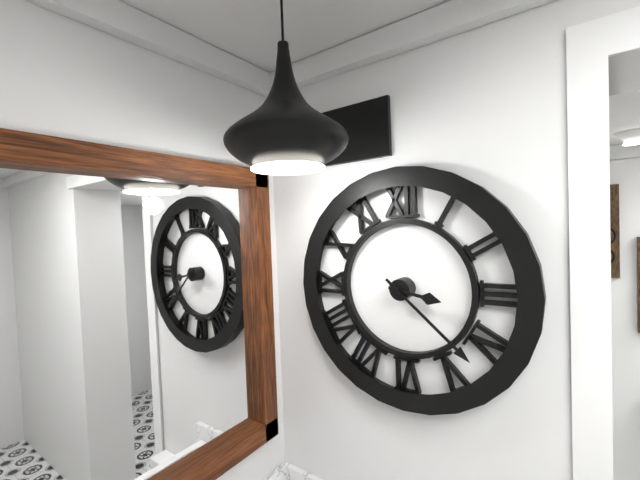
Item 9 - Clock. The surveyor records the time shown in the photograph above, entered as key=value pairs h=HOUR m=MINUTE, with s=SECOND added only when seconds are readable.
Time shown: h=3 m=22
